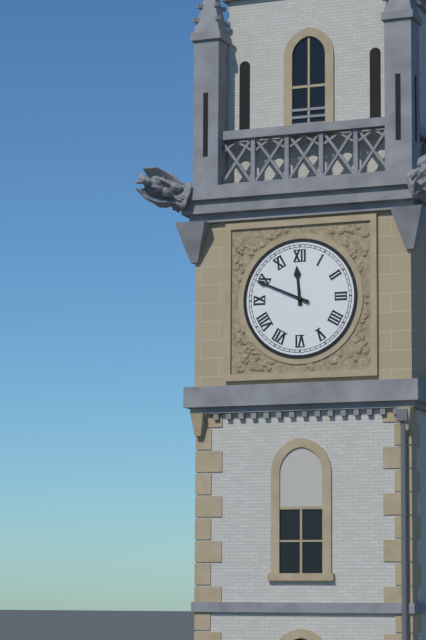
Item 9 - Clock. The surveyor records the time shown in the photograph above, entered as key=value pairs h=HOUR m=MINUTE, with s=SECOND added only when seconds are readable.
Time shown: h=11 m=49
